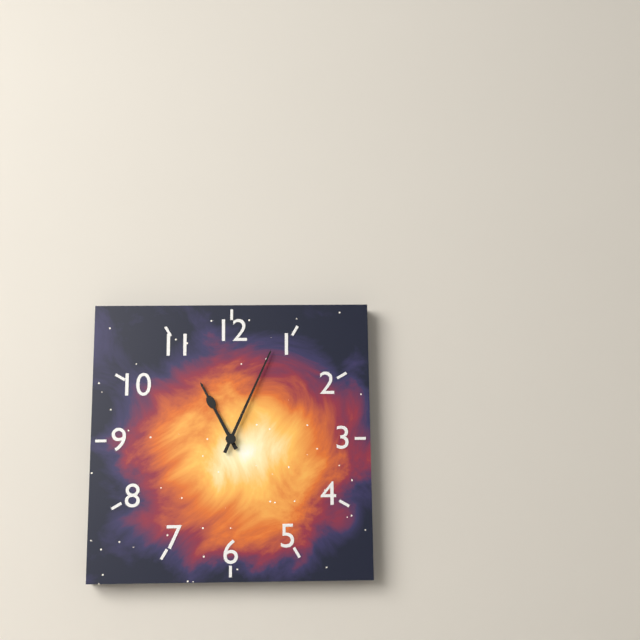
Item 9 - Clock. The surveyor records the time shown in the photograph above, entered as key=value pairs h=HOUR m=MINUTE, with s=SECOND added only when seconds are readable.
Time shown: h=11 m=4
